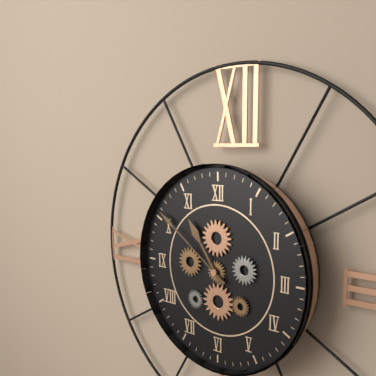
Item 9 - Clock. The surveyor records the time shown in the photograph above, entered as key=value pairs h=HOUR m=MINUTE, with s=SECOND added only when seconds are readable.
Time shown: h=10 m=51
